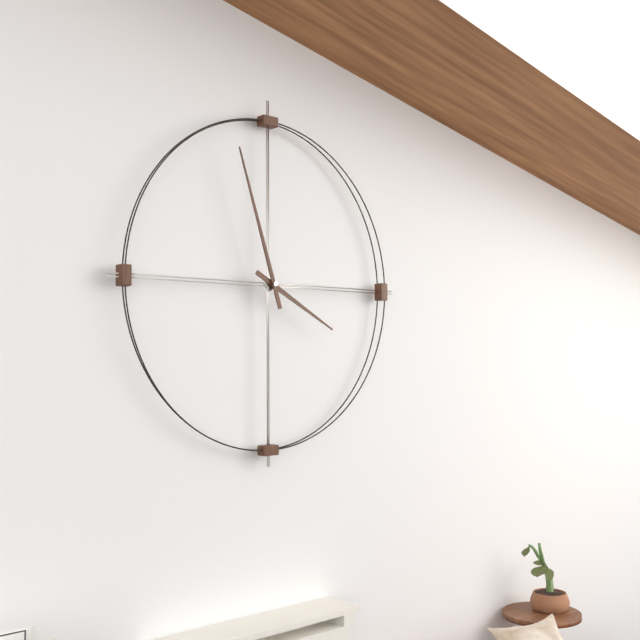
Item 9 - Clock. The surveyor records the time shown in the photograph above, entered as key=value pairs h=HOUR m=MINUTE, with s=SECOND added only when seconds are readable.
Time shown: h=3 m=57
